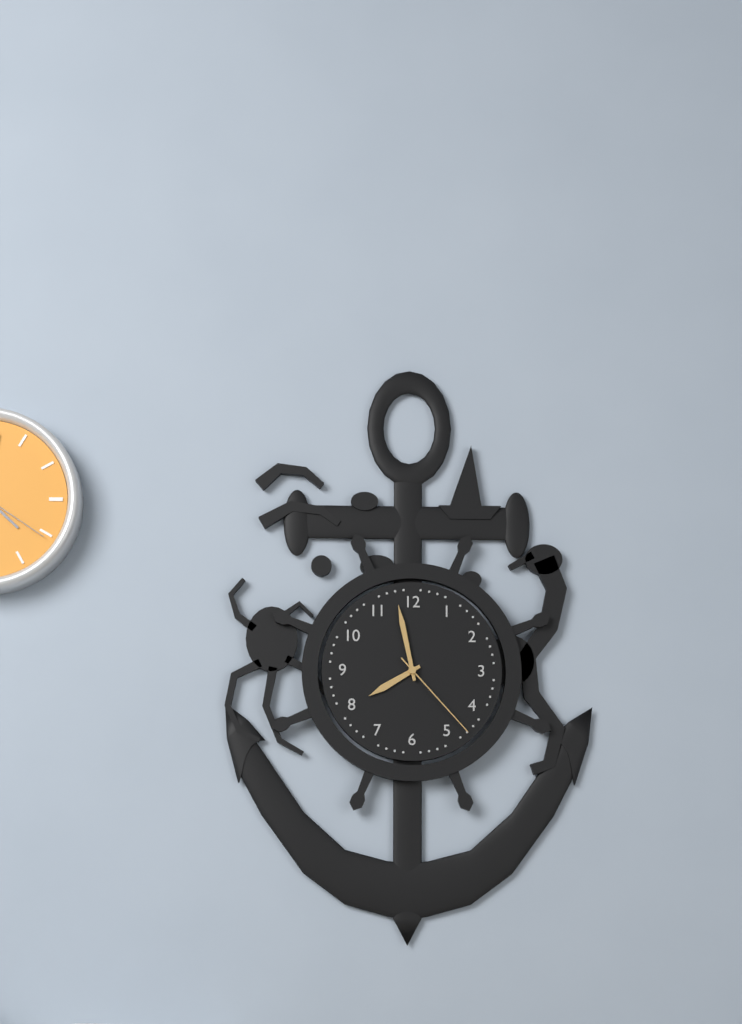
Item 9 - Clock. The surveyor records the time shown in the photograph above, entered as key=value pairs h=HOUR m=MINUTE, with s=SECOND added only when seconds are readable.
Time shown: h=7 m=58 s=23
